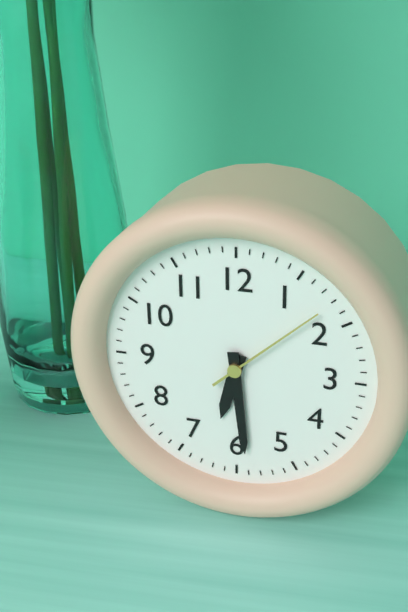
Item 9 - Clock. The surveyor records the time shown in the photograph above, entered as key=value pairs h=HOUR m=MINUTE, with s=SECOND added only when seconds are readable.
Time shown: h=6 m=29 s=8
